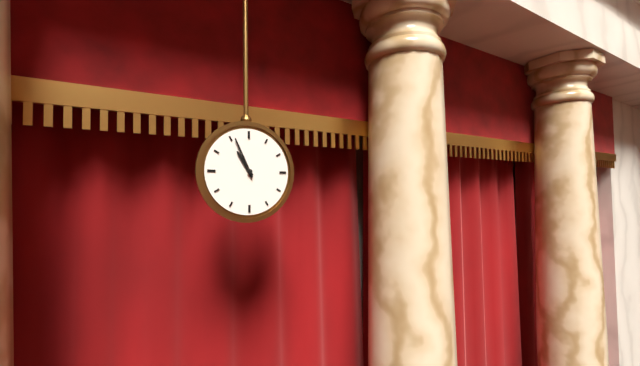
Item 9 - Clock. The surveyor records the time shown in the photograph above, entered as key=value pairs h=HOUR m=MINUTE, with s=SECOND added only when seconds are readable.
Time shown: h=10 m=56
